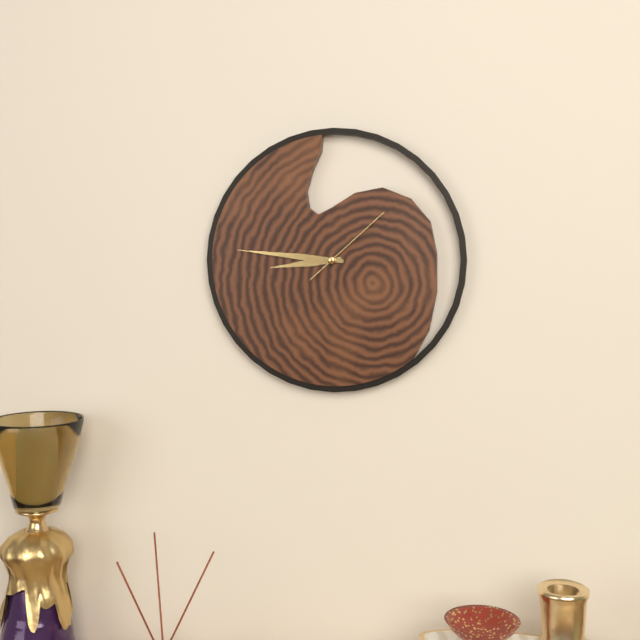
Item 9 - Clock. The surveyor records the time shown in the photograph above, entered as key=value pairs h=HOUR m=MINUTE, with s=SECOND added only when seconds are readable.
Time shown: h=8 m=46 s=8
